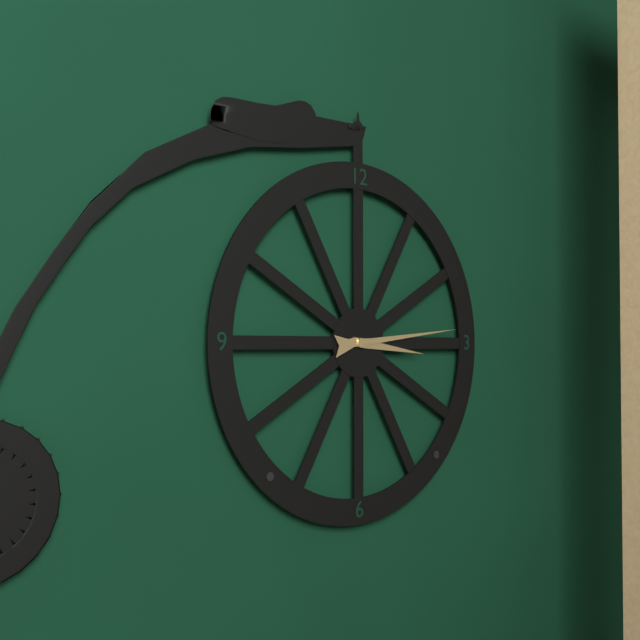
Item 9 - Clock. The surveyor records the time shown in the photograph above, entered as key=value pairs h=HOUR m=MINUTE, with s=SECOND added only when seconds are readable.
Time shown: h=3 m=14
